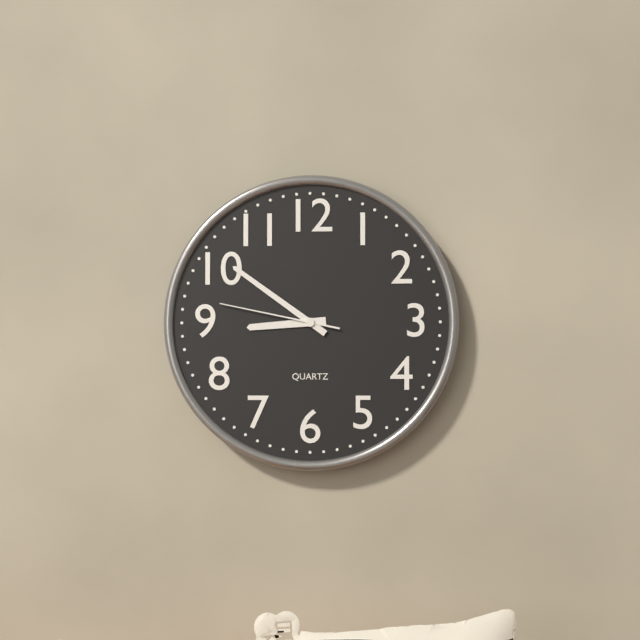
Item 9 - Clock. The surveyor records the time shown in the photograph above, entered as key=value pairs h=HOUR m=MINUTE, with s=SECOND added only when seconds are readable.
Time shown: h=8 m=51 s=47
